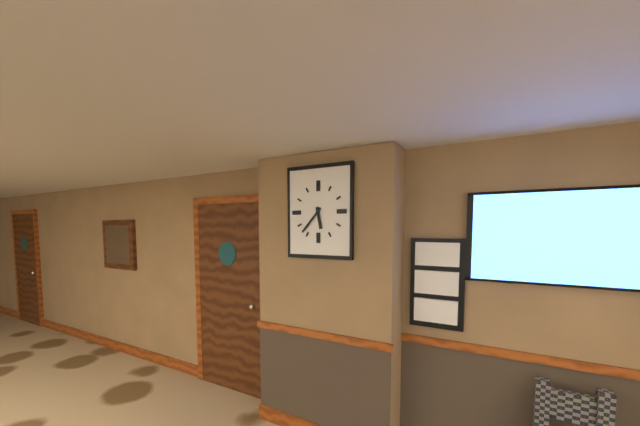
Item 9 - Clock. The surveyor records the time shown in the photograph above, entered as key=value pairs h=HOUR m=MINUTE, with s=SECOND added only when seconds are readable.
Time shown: h=5 m=37
